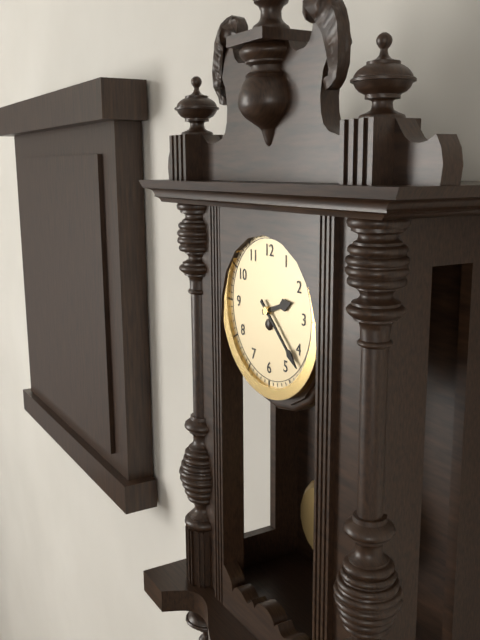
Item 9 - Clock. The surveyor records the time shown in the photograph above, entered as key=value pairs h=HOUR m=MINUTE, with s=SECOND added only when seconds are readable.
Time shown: h=2 m=22
